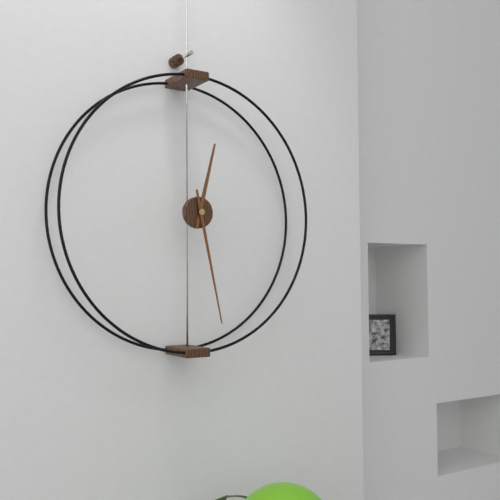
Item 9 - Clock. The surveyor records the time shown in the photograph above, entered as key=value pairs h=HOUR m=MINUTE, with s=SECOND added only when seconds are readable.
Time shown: h=12 m=28
